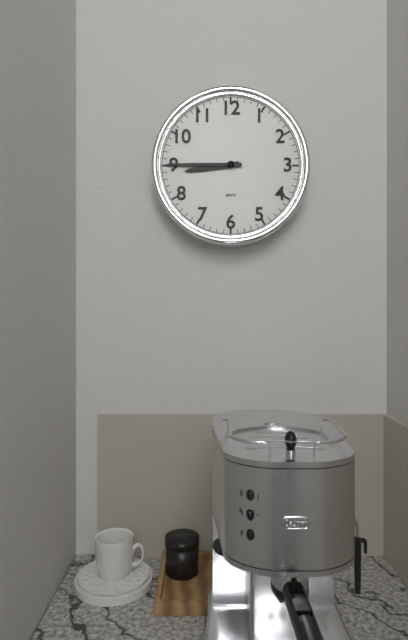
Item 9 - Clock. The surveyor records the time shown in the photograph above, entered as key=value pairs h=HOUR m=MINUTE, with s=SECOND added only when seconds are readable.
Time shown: h=8 m=45
